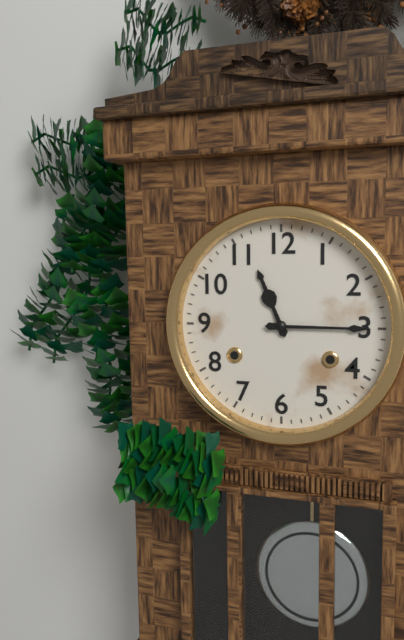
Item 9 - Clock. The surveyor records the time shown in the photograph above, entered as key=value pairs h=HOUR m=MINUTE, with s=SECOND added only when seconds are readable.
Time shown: h=11 m=15
